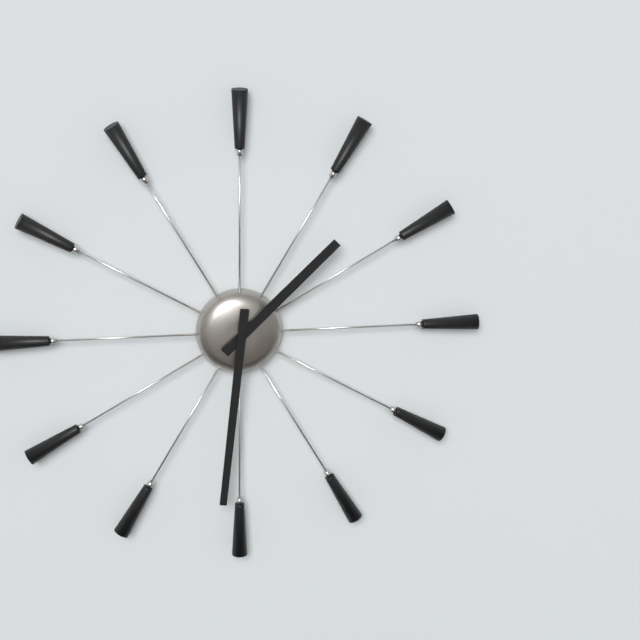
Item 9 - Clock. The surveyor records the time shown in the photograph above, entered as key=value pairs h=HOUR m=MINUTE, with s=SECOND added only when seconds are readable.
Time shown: h=1 m=31
